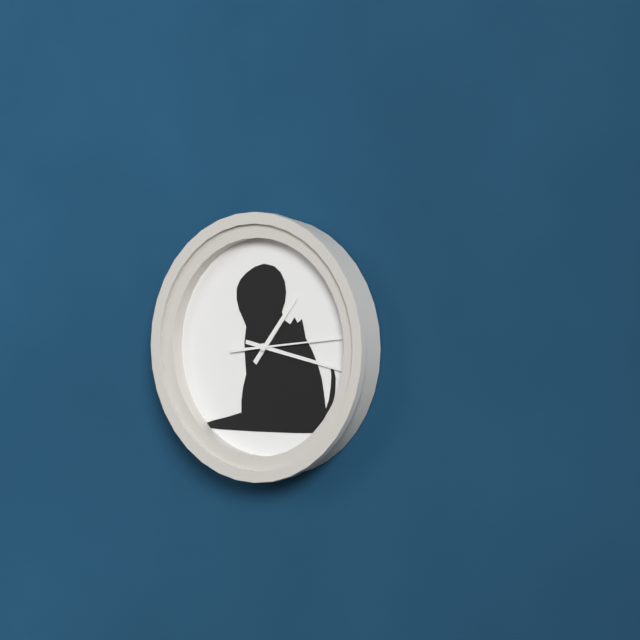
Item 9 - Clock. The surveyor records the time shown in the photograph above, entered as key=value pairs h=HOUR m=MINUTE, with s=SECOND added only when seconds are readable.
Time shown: h=1 m=17 s=14
